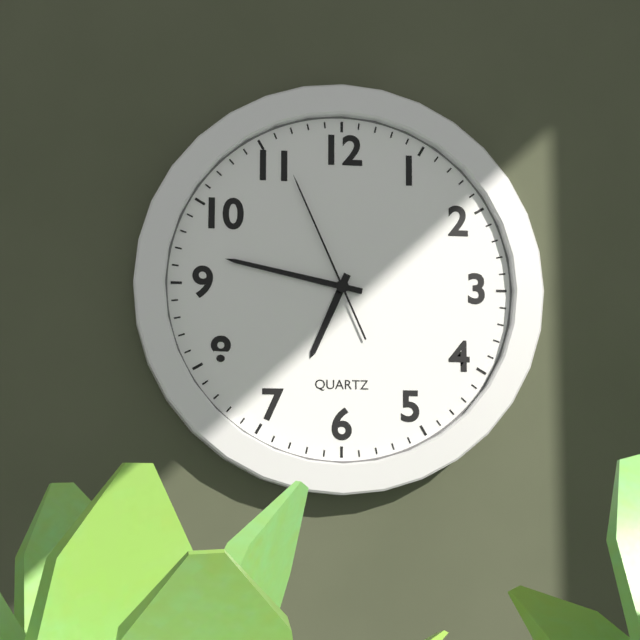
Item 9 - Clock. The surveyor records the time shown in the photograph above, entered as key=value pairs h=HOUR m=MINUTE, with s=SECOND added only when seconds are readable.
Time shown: h=6 m=47 s=56
